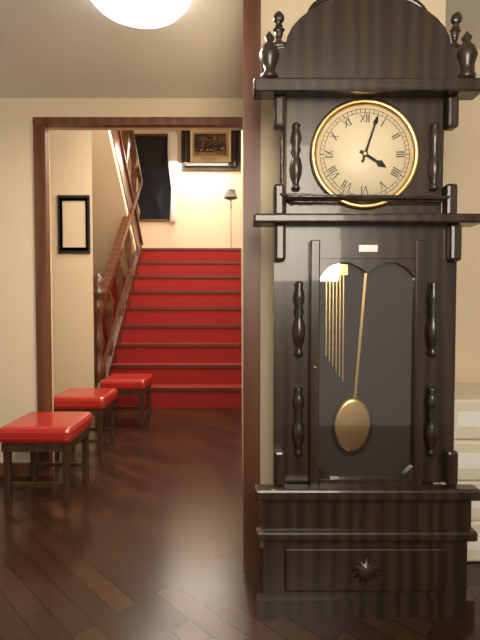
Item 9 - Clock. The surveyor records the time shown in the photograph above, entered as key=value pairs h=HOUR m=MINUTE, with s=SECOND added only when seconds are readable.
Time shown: h=4 m=3
